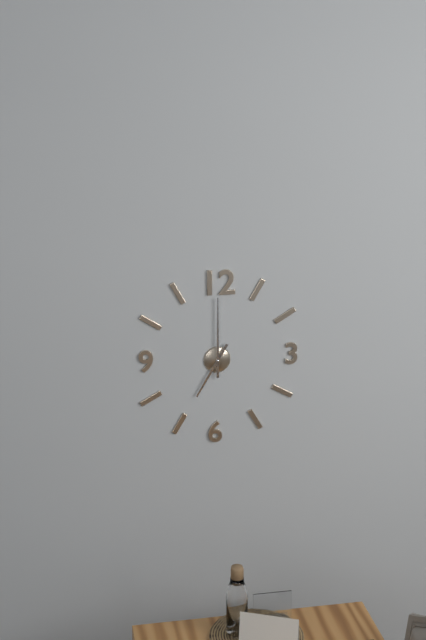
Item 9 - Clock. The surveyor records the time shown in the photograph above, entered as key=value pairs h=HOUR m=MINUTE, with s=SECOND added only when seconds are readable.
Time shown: h=7 m=0
